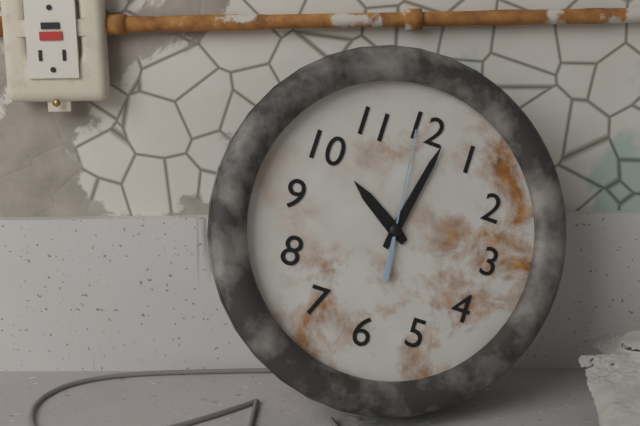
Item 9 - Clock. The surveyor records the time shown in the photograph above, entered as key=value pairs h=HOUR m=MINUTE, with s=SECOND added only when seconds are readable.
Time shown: h=10 m=2 s=59
